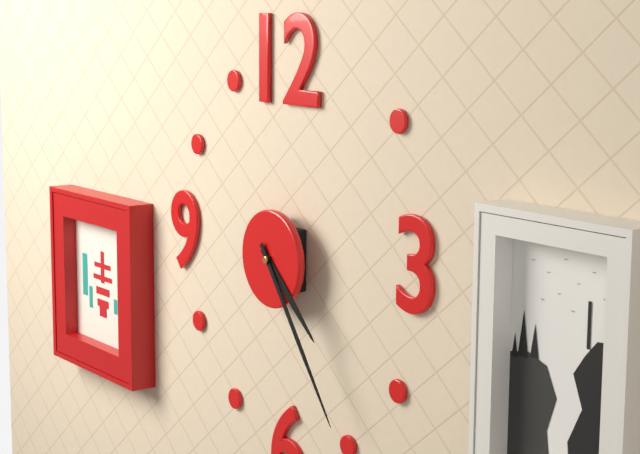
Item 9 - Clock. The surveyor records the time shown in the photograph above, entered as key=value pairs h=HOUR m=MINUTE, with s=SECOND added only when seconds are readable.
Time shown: h=4 m=24
